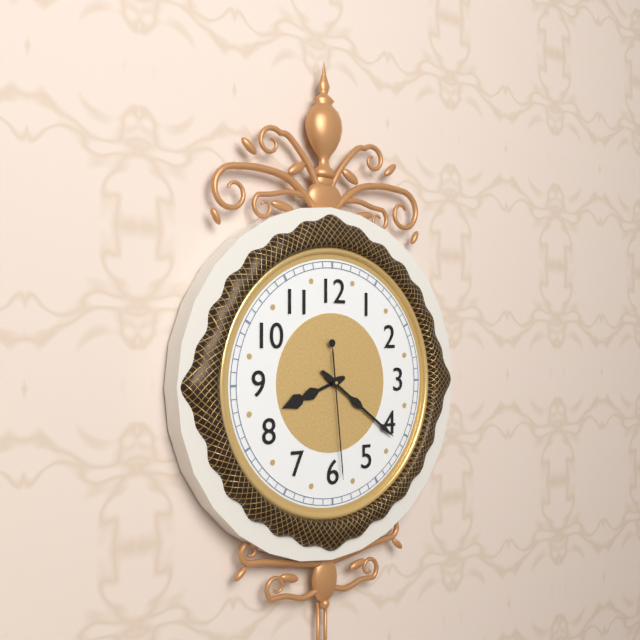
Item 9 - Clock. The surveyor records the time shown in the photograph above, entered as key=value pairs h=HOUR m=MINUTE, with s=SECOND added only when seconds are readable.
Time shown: h=8 m=21 s=29
